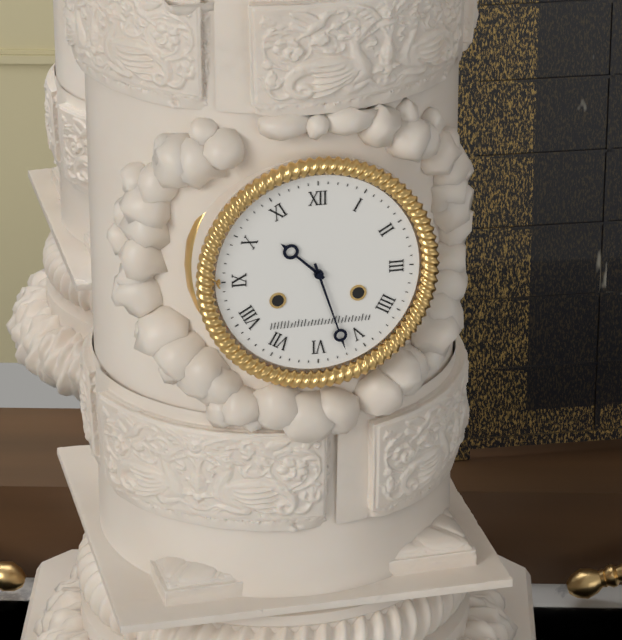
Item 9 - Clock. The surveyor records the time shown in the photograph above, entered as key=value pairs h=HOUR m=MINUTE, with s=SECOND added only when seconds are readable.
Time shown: h=10 m=27
